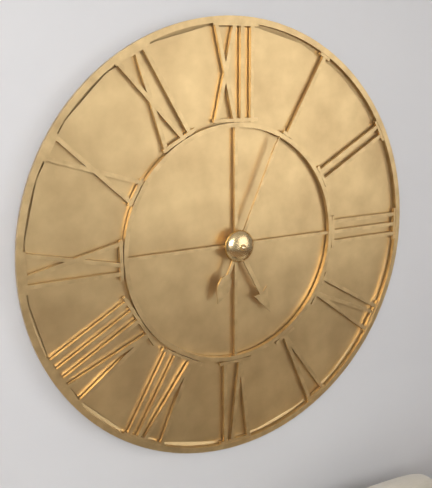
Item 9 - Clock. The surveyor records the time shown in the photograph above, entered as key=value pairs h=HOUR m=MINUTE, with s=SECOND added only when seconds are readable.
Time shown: h=5 m=4
